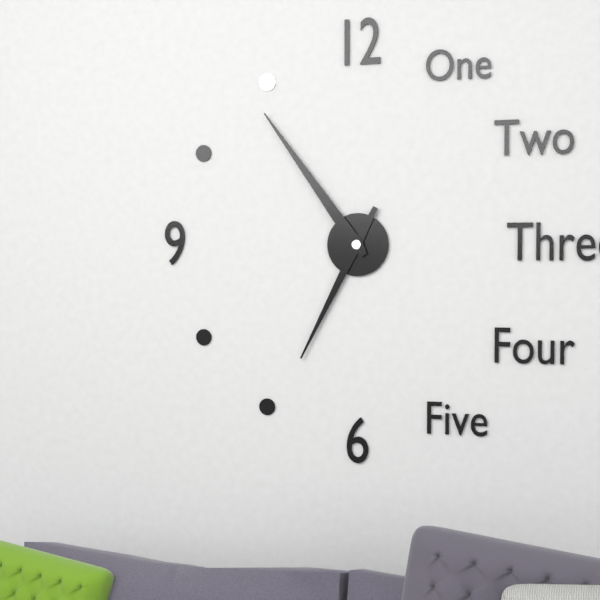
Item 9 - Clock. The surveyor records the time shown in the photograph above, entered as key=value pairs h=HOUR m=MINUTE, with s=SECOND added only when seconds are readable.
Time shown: h=6 m=54
